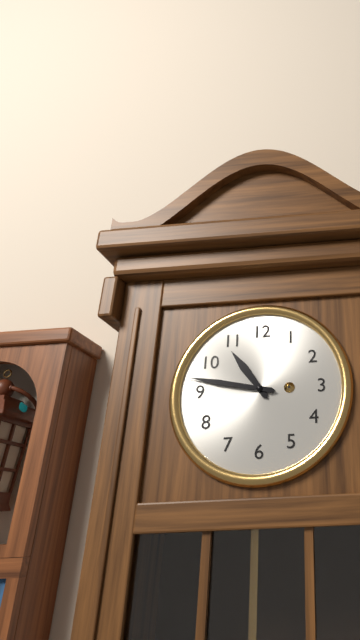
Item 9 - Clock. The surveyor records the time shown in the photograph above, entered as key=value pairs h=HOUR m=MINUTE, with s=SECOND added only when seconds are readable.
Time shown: h=10 m=47
